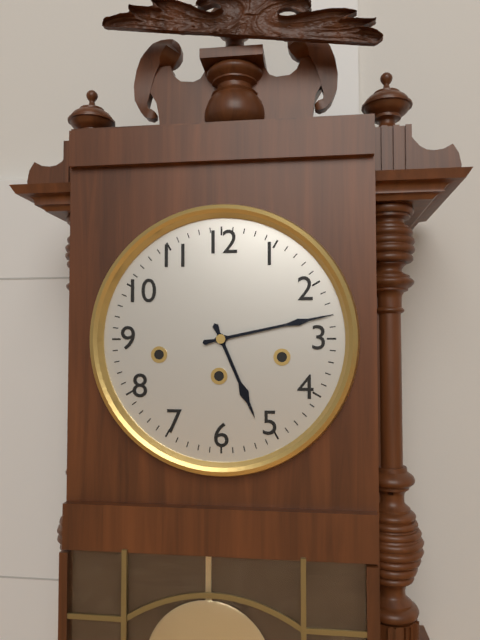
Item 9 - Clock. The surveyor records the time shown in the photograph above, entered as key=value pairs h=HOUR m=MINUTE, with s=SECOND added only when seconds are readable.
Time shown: h=5 m=13
